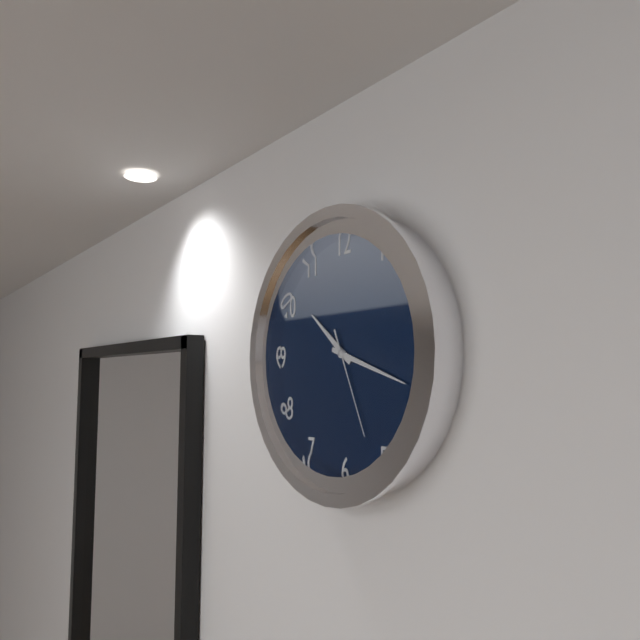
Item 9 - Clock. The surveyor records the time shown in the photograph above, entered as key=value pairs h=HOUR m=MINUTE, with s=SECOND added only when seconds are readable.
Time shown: h=10 m=18 s=26
